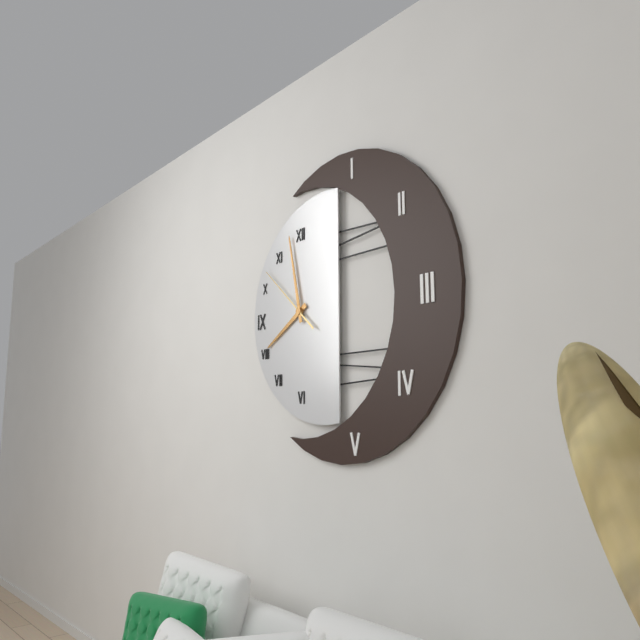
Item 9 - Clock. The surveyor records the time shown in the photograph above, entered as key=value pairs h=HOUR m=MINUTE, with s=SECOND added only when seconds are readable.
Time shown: h=7 m=58 s=52
